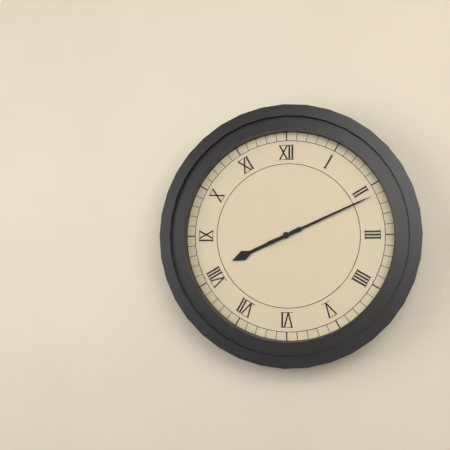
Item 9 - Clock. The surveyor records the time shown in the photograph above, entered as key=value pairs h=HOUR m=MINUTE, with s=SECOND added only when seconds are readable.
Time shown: h=8 m=11
